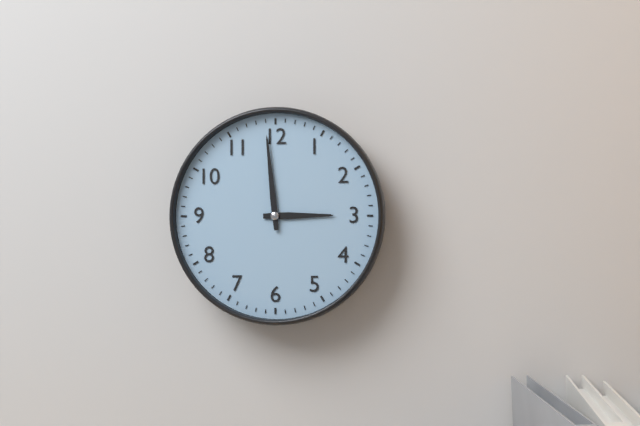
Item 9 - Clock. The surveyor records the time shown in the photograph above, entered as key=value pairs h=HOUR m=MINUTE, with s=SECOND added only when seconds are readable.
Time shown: h=2 m=59
